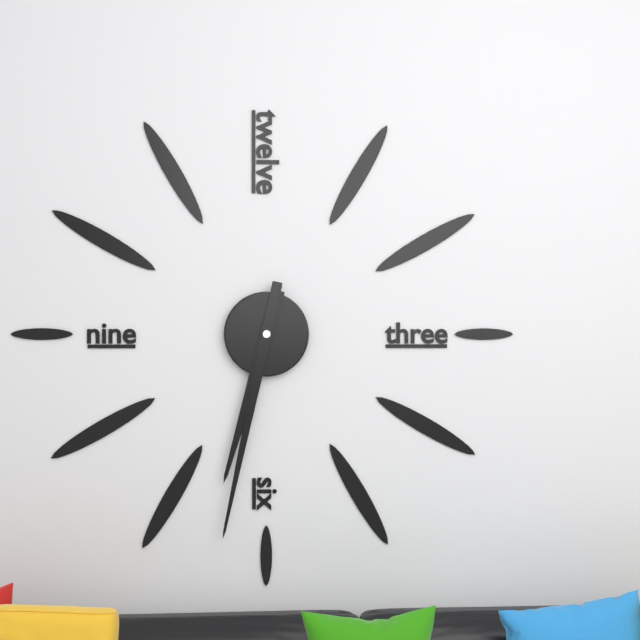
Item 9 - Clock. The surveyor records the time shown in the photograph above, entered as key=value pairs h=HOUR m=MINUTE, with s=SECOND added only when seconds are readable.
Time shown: h=6 m=32
